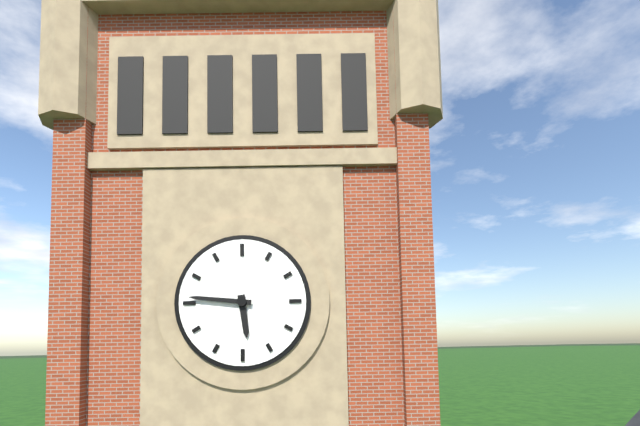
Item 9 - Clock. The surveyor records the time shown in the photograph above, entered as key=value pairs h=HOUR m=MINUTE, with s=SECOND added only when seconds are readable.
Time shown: h=5 m=46
